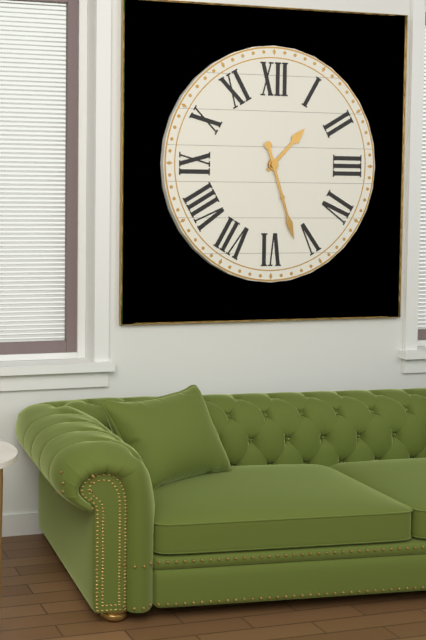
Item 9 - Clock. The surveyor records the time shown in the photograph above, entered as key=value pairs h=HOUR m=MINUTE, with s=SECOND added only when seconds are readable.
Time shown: h=1 m=27
